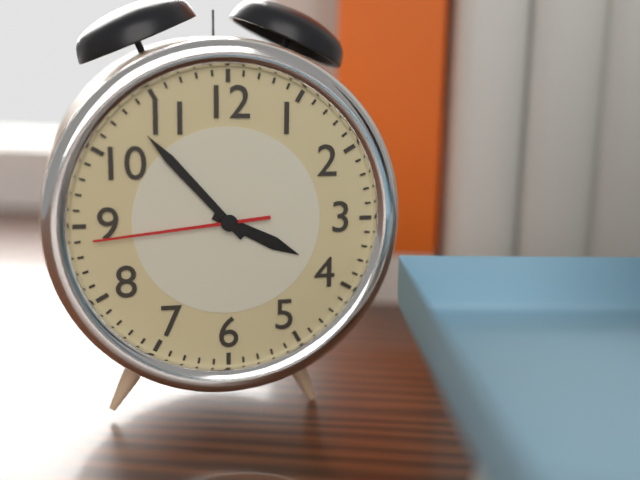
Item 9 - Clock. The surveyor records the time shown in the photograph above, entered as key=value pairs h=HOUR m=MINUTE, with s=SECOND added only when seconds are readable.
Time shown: h=3 m=53 s=44
